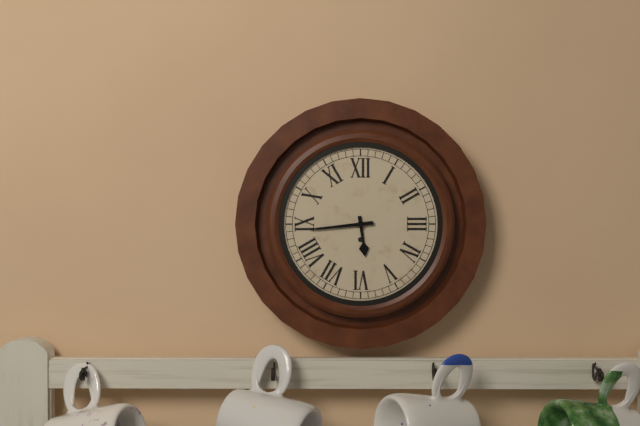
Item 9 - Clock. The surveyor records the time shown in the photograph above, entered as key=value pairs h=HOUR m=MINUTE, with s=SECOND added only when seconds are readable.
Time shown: h=5 m=44
